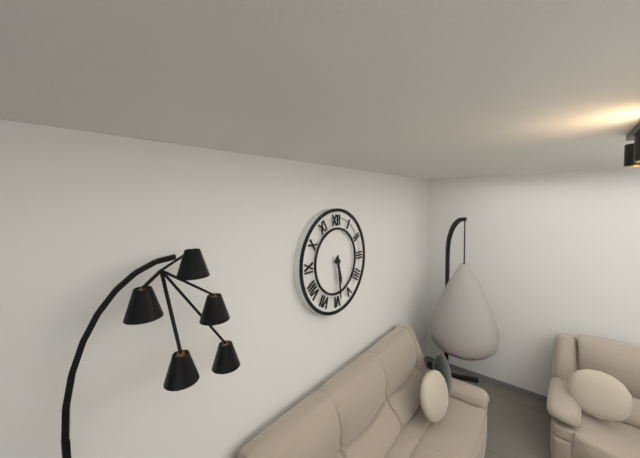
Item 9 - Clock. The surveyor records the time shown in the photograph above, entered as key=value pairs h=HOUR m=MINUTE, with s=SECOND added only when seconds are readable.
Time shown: h=5 m=29
